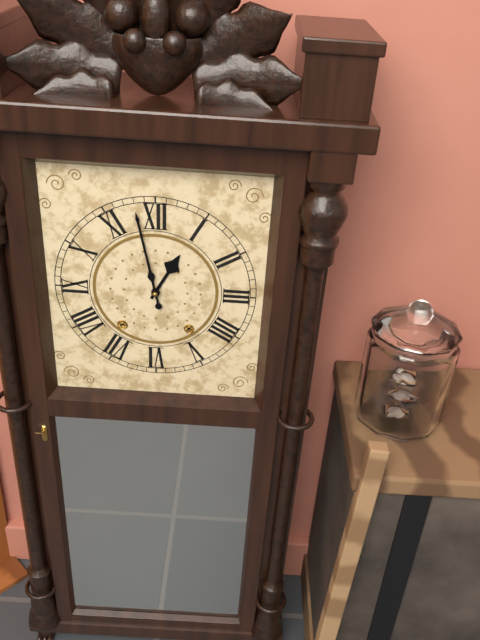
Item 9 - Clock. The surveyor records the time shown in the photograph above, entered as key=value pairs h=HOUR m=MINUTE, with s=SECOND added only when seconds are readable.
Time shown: h=12 m=58
